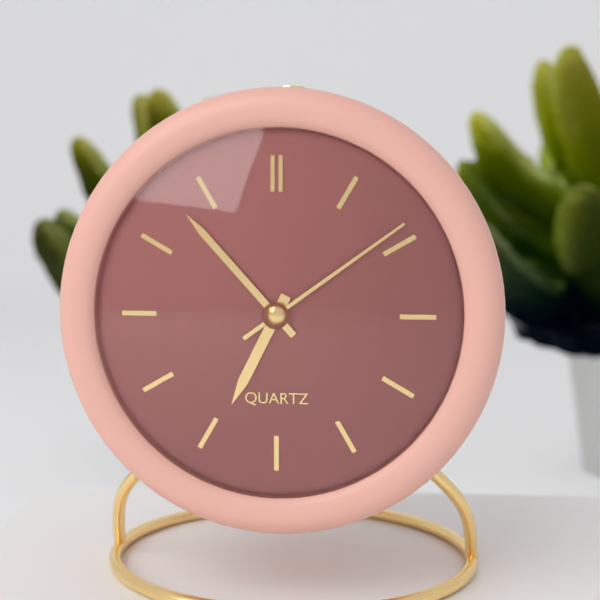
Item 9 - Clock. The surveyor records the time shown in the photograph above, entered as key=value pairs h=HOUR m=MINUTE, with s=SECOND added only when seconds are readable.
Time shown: h=6 m=53 s=9
